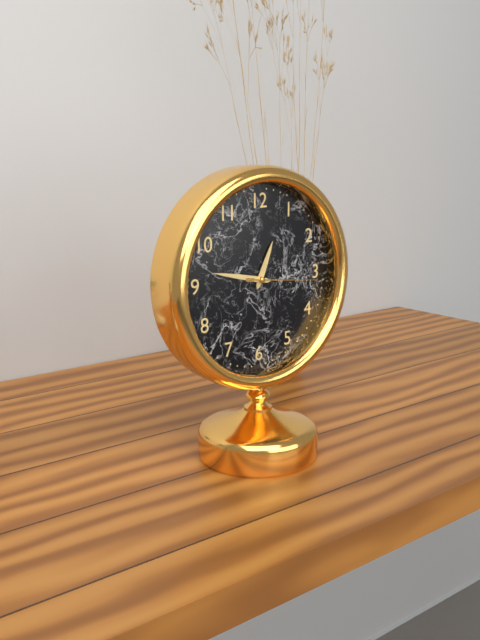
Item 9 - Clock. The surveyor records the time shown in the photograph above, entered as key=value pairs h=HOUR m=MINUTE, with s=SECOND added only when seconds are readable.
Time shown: h=12 m=47 s=16
